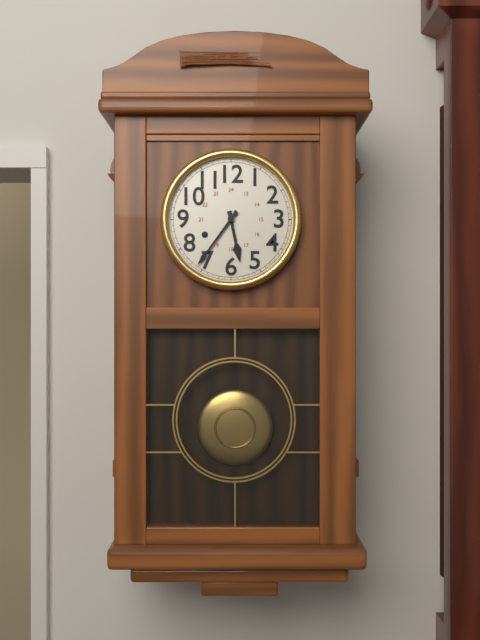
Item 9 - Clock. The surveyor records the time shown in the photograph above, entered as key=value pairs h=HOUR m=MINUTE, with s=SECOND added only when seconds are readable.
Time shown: h=5 m=36
